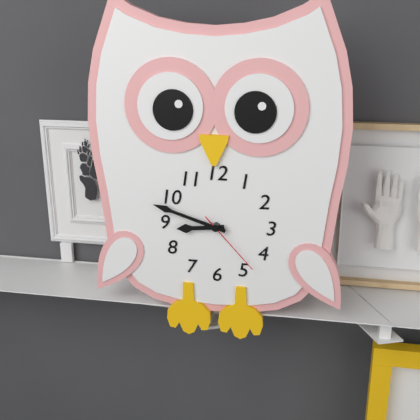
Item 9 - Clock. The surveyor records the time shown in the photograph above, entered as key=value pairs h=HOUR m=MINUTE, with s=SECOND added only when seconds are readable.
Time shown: h=8 m=48 s=23
